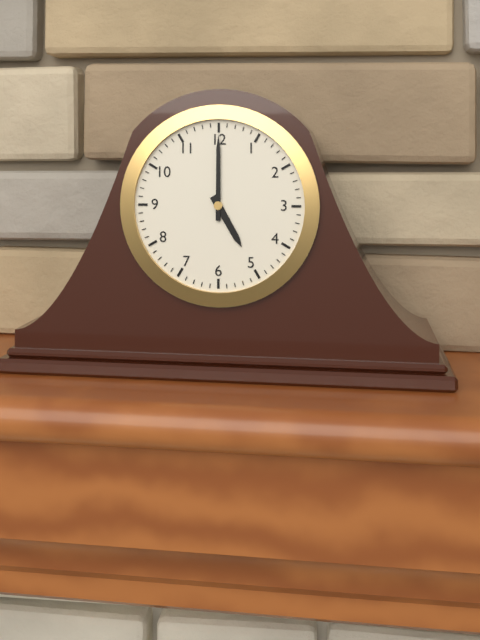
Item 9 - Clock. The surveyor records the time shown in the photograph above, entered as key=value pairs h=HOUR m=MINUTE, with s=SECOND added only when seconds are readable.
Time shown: h=5 m=0
